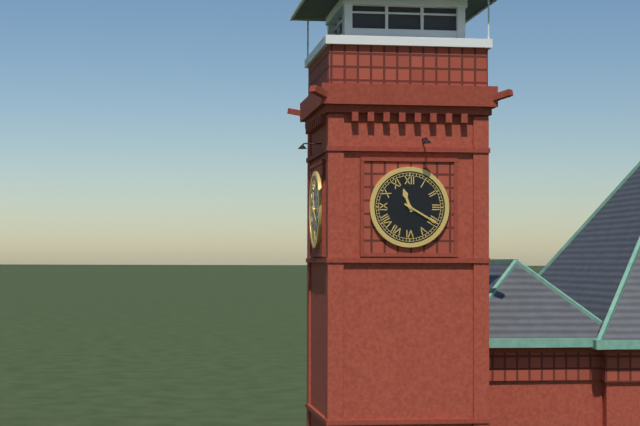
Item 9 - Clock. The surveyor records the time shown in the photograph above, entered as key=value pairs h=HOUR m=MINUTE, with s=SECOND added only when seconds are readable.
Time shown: h=11 m=20
